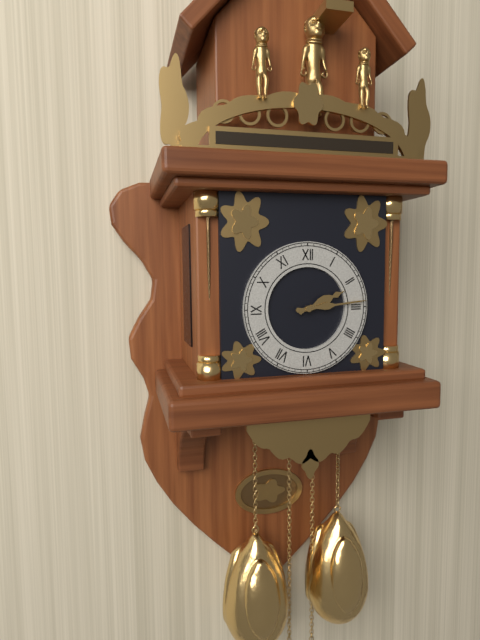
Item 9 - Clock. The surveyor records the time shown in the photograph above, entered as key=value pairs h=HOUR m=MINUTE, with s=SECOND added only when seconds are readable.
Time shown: h=2 m=14
